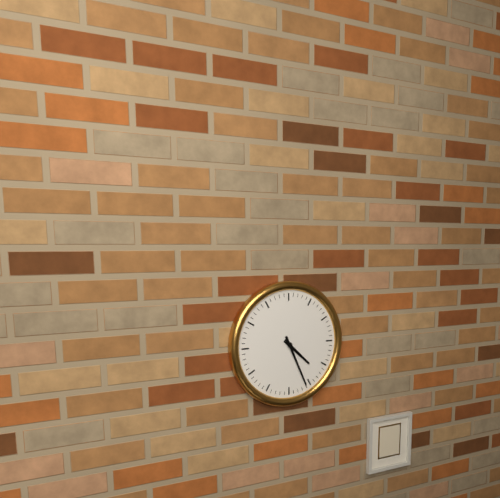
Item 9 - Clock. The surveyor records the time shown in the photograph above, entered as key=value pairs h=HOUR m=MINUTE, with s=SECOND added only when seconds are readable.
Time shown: h=4 m=26
